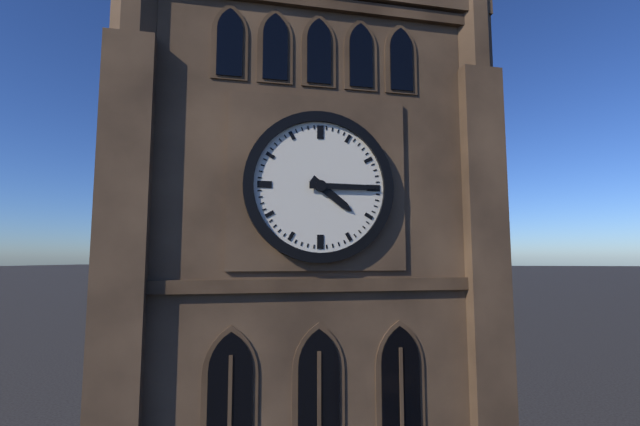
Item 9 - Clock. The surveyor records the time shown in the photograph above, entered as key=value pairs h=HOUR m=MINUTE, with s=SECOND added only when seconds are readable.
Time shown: h=4 m=15
